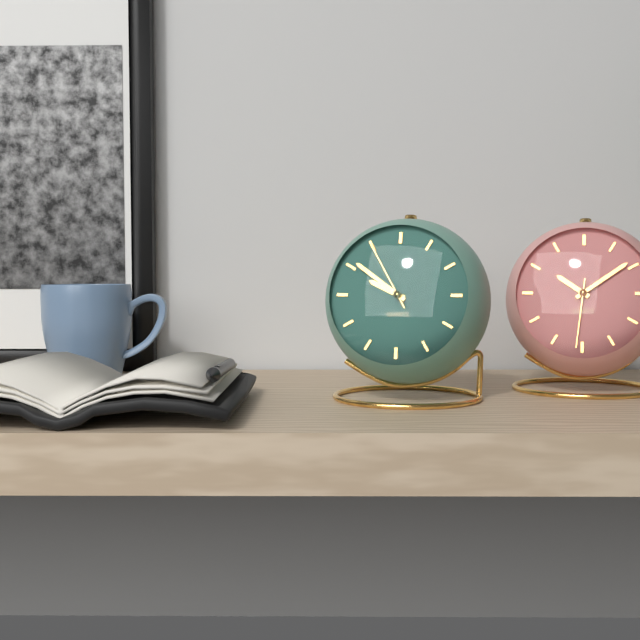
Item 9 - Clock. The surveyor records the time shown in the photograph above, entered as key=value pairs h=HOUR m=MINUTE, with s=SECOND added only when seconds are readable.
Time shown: h=9 m=51 s=55
